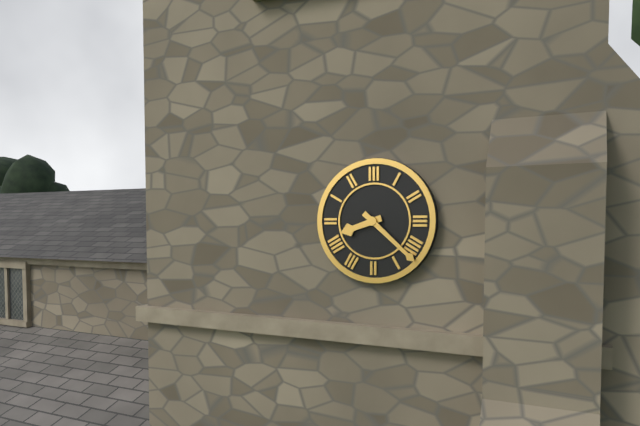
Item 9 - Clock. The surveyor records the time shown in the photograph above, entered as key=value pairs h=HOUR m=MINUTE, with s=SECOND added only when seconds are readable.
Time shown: h=8 m=22
